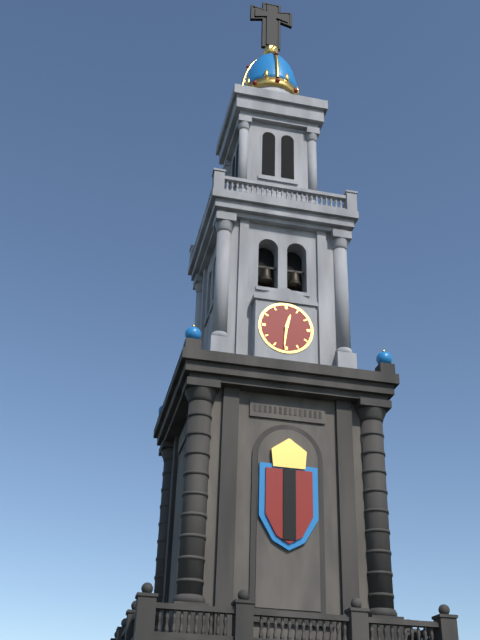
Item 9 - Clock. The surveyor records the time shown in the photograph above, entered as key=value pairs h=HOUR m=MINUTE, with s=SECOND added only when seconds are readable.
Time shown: h=12 m=31
